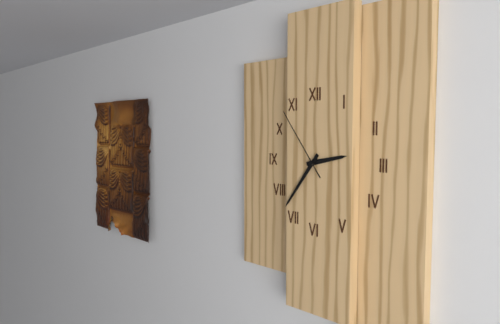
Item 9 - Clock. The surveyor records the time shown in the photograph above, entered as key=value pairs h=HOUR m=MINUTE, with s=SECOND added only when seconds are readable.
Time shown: h=2 m=36 s=54
